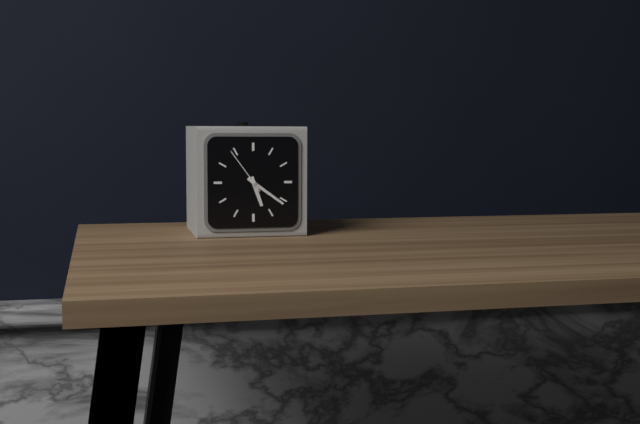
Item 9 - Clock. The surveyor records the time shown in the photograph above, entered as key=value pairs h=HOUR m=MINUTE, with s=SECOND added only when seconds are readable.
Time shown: h=5 m=21
